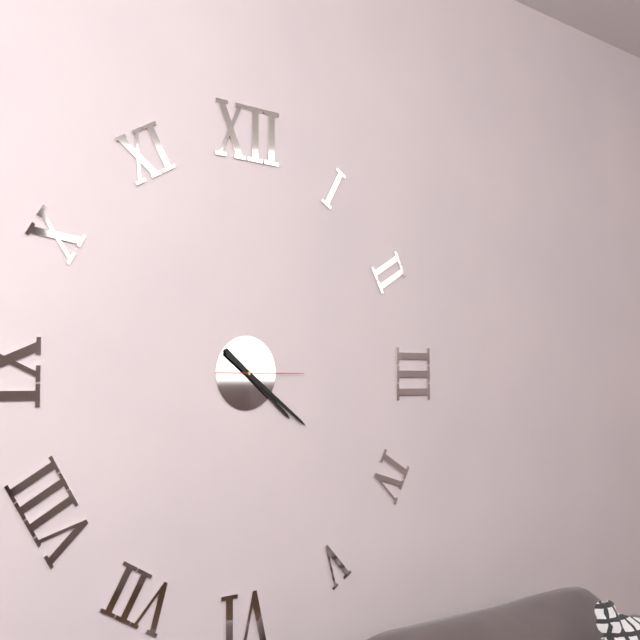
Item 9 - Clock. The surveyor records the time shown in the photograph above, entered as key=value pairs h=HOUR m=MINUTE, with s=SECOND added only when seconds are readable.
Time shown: h=4 m=21 s=15
